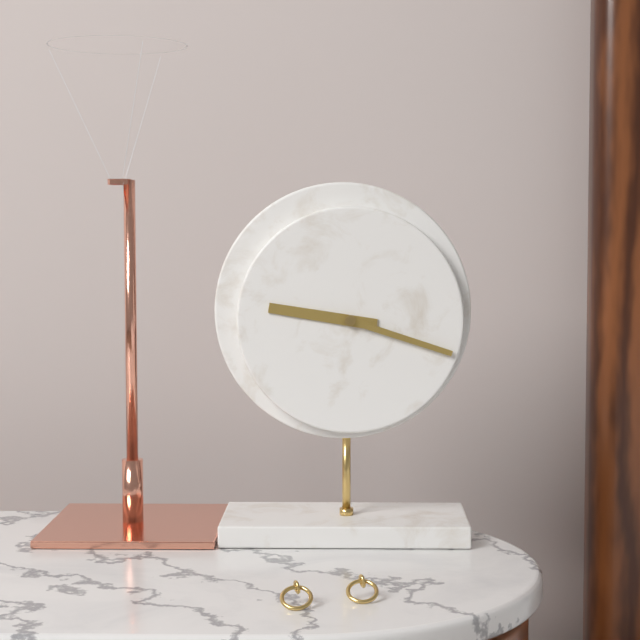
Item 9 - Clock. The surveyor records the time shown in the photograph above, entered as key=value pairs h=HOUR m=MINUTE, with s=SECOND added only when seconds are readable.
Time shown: h=9 m=18
